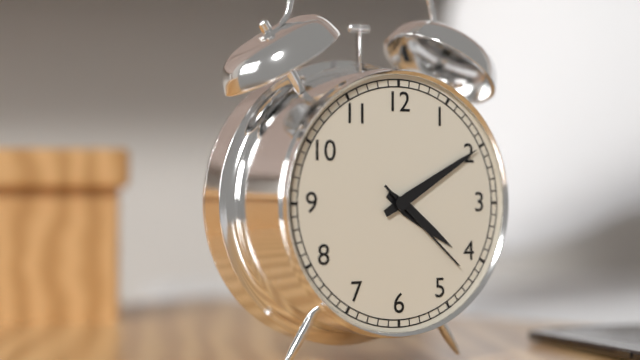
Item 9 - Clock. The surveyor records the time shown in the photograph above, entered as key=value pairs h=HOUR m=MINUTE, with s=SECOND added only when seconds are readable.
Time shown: h=4 m=10 s=22
